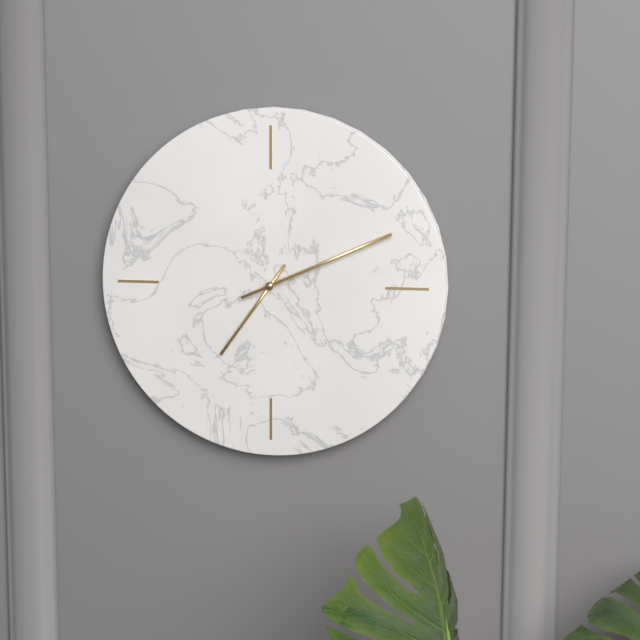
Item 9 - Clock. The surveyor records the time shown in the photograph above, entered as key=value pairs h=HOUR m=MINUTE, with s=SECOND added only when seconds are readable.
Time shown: h=7 m=11
